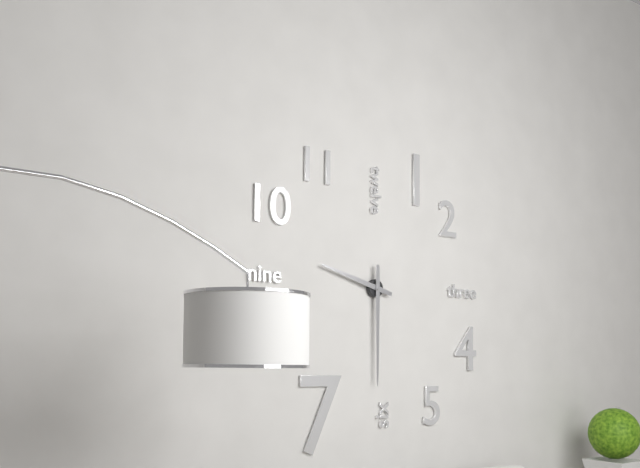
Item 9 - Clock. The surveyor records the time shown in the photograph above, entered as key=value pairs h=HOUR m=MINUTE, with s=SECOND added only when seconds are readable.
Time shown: h=9 m=30
